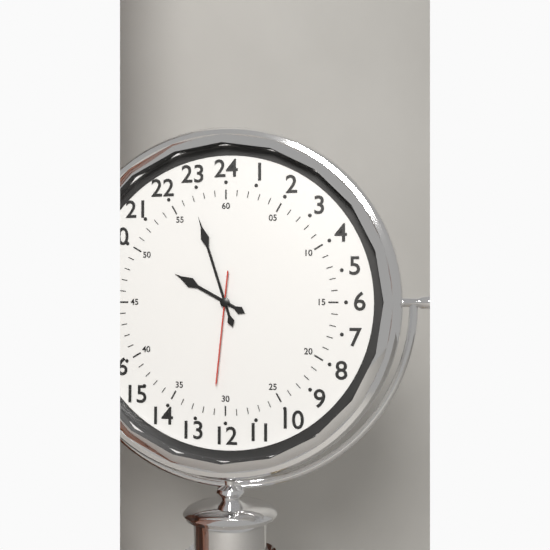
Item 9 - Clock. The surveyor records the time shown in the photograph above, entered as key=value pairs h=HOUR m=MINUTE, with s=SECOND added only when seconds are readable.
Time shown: h=9 m=57 s=31
